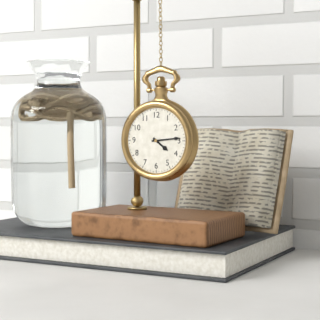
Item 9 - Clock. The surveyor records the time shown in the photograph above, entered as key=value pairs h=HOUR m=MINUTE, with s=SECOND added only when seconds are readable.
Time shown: h=4 m=14
